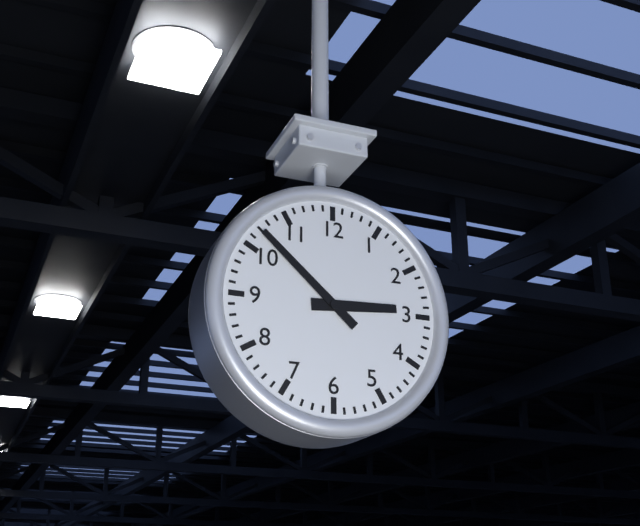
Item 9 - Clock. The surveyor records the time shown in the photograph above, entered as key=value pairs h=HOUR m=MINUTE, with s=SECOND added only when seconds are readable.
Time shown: h=2 m=52
